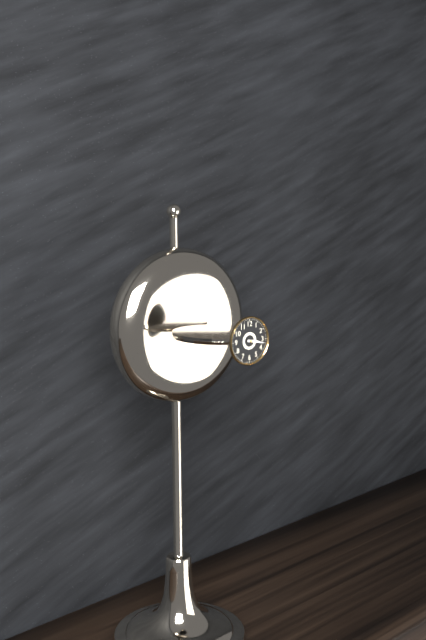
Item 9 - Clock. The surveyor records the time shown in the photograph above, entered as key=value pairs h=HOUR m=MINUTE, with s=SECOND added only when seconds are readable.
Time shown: h=3 m=17
